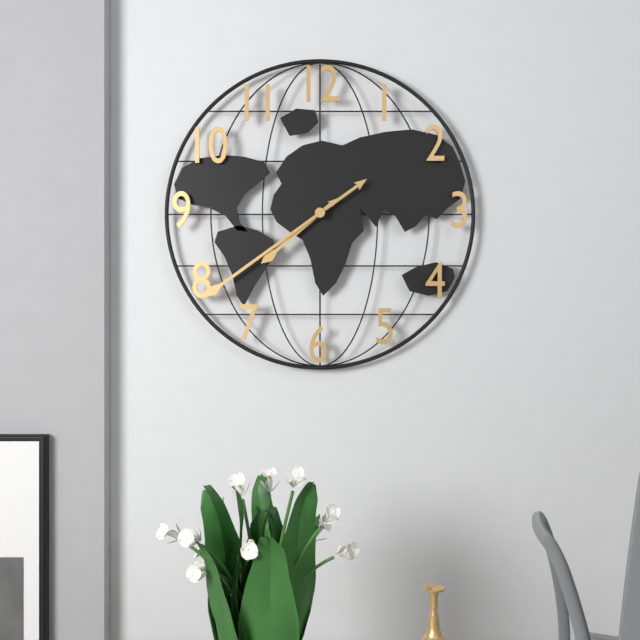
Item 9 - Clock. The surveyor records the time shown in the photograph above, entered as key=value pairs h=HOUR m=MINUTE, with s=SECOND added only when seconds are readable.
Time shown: h=7 m=39
